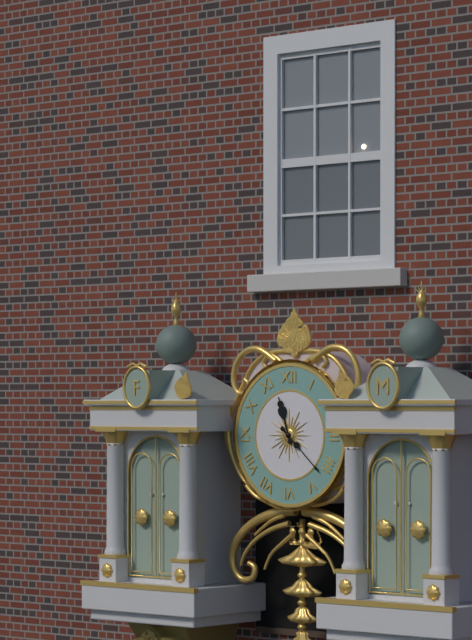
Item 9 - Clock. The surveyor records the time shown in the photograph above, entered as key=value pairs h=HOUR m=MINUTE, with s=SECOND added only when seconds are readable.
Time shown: h=11 m=22
